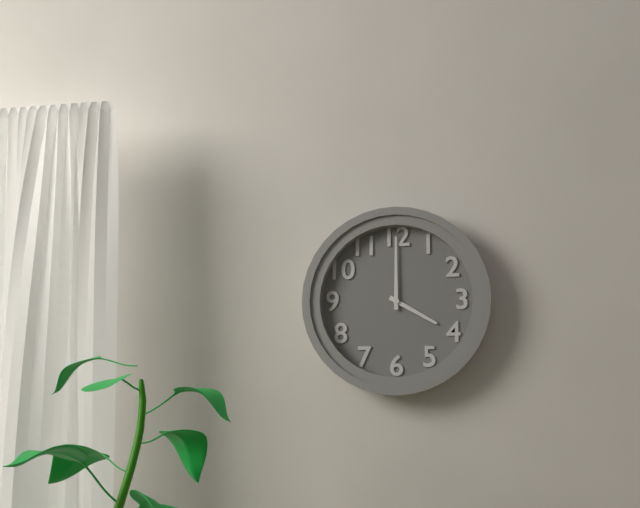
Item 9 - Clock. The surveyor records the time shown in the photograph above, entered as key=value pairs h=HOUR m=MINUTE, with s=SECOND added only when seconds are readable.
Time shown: h=4 m=0
